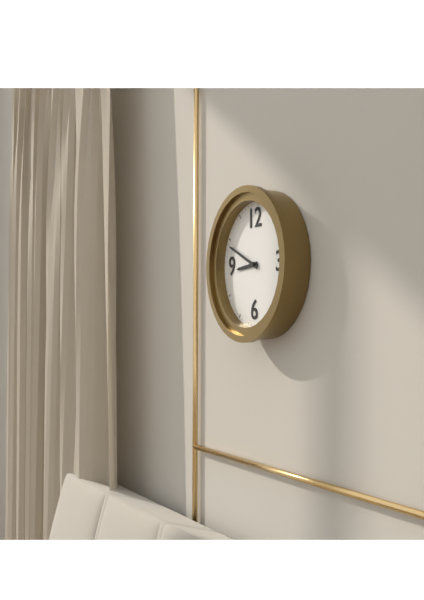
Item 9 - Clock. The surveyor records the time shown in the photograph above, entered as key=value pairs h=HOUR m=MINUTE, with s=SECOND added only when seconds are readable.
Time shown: h=8 m=49
